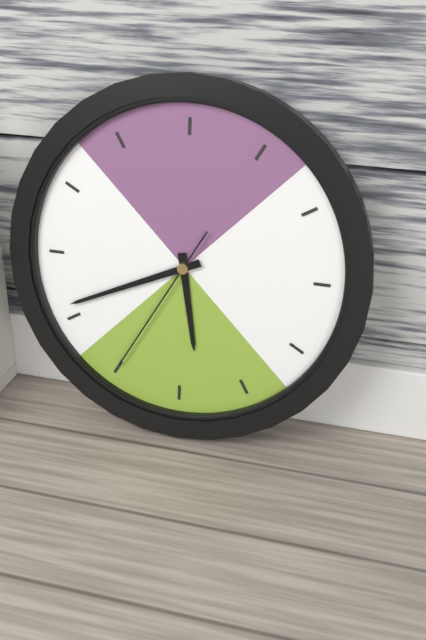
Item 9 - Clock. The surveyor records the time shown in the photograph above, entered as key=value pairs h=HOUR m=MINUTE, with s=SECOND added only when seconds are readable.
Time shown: h=5 m=41 s=35
